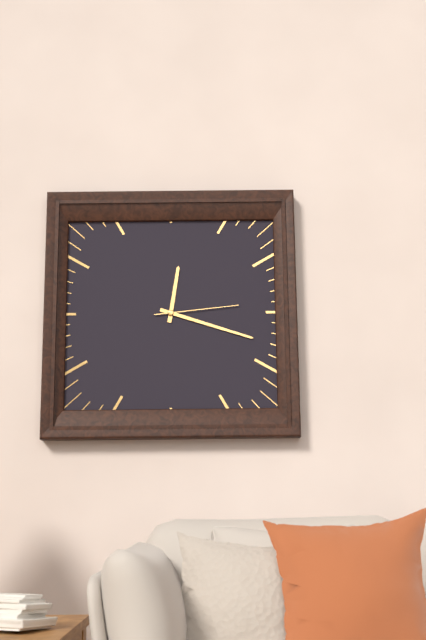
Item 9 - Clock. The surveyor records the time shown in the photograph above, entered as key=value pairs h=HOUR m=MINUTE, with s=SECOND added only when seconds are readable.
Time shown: h=12 m=18 s=14
